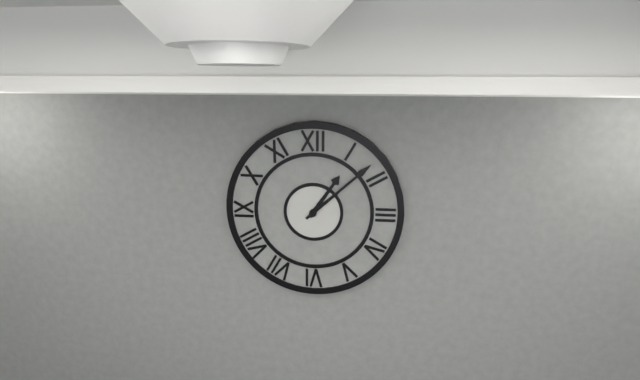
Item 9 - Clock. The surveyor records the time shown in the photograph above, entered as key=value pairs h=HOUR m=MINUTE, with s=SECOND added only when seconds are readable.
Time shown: h=1 m=8
